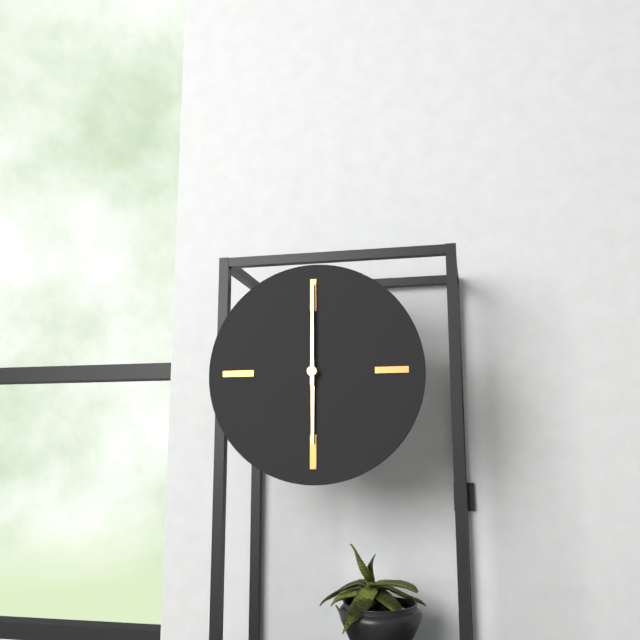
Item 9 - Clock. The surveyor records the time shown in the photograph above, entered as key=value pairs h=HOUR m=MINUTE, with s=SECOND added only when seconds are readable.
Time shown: h=6 m=0
